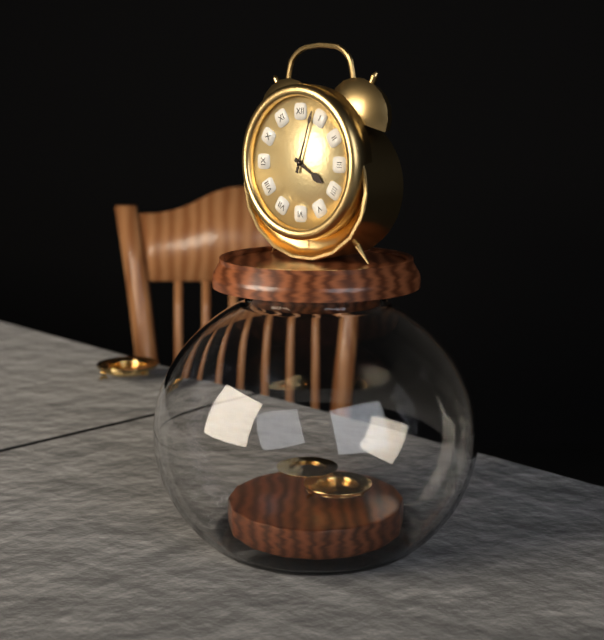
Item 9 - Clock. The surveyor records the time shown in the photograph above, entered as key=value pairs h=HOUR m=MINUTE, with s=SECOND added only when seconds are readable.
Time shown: h=4 m=3
